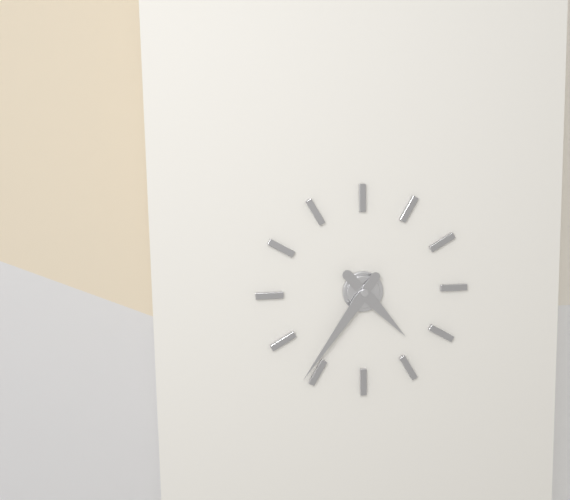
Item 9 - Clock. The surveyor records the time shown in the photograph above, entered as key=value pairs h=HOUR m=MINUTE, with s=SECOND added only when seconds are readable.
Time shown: h=4 m=36
